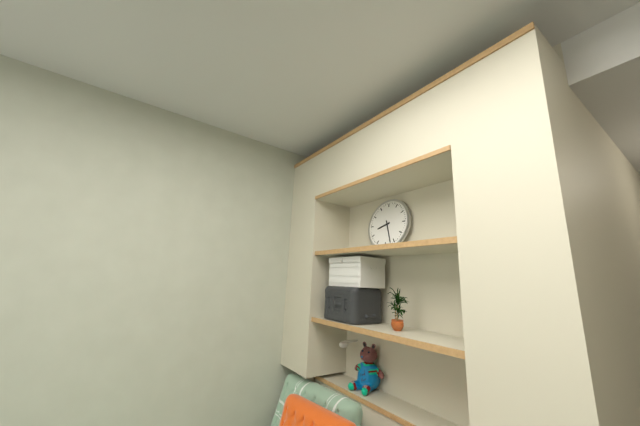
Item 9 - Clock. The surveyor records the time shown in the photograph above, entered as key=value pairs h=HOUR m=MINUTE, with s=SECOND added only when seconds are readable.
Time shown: h=8 m=27
